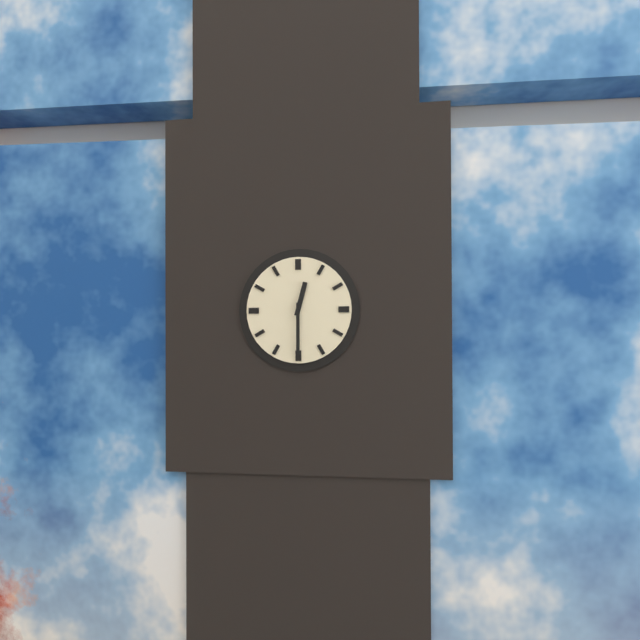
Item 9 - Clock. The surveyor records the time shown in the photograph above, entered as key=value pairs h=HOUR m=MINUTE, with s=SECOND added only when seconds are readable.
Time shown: h=12 m=30
